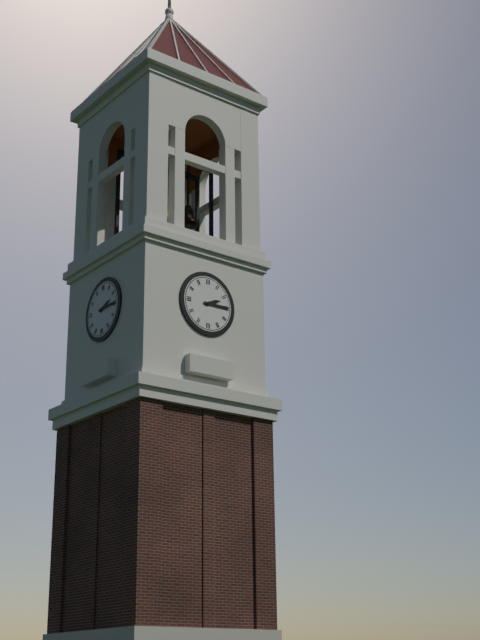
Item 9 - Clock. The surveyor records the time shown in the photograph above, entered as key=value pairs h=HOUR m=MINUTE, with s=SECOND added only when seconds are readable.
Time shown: h=2 m=15
